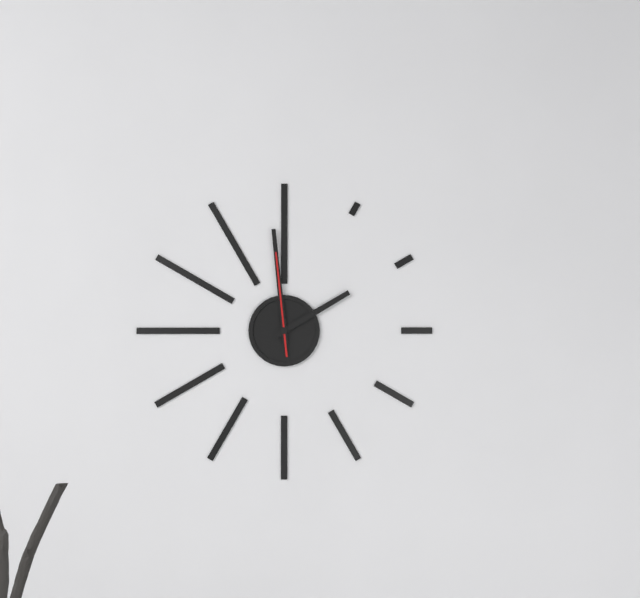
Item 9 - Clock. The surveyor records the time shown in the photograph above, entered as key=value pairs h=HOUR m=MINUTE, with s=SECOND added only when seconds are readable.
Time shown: h=1 m=59 s=59
